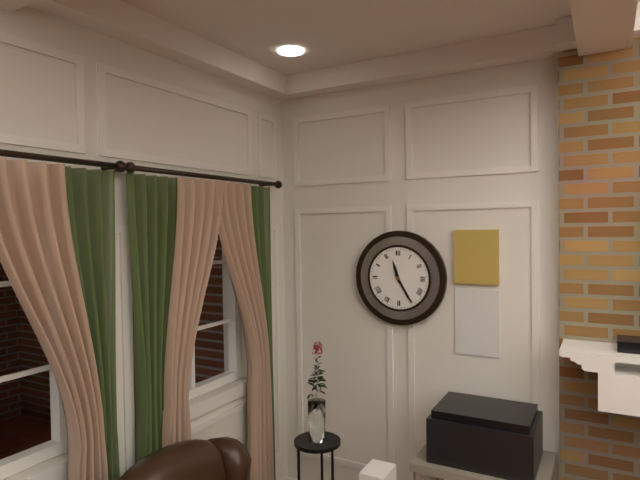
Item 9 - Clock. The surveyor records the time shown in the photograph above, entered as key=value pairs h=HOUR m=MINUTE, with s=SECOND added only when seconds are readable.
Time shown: h=11 m=25
